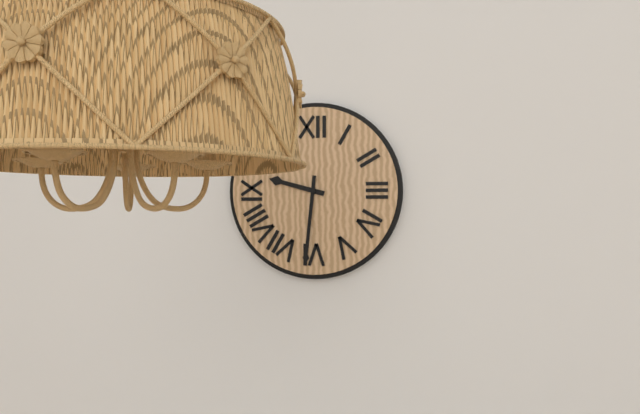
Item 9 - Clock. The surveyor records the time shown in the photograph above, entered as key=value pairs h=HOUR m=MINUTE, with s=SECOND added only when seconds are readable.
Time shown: h=9 m=31
